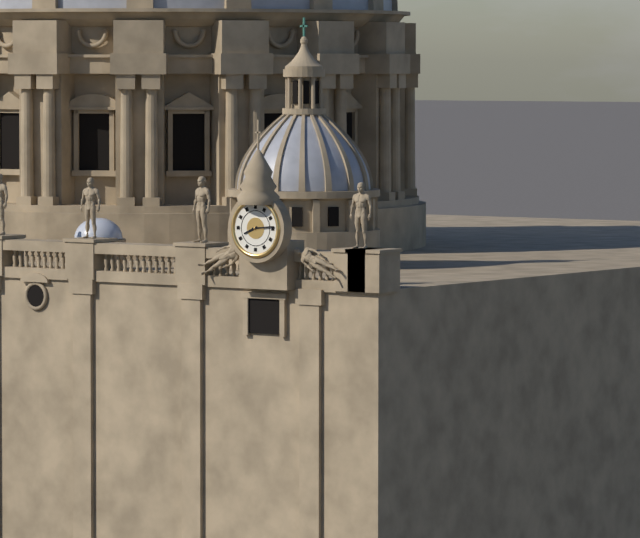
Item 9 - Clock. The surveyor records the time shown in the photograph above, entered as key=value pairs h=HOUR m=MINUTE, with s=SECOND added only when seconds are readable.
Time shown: h=8 m=14
